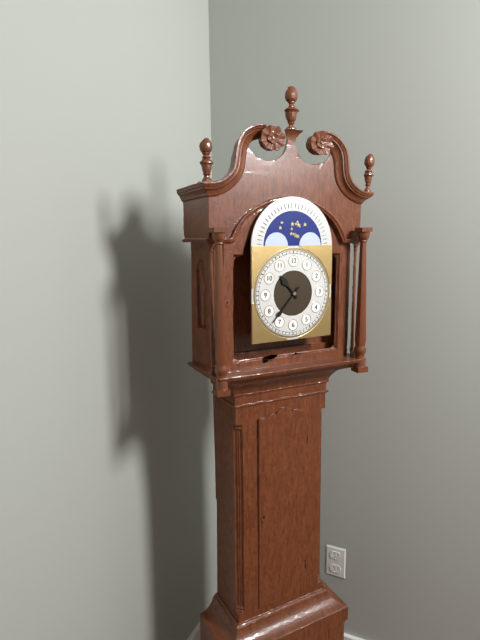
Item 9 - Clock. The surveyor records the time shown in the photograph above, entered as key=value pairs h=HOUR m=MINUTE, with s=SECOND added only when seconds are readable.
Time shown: h=10 m=37
